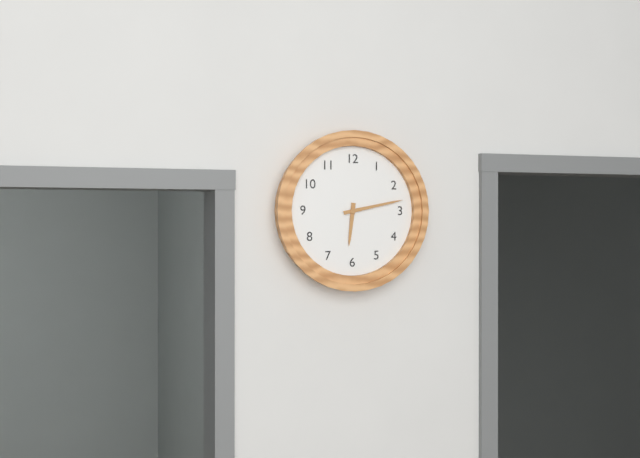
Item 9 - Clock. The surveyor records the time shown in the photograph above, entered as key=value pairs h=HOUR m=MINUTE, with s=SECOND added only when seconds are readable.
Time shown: h=6 m=13
